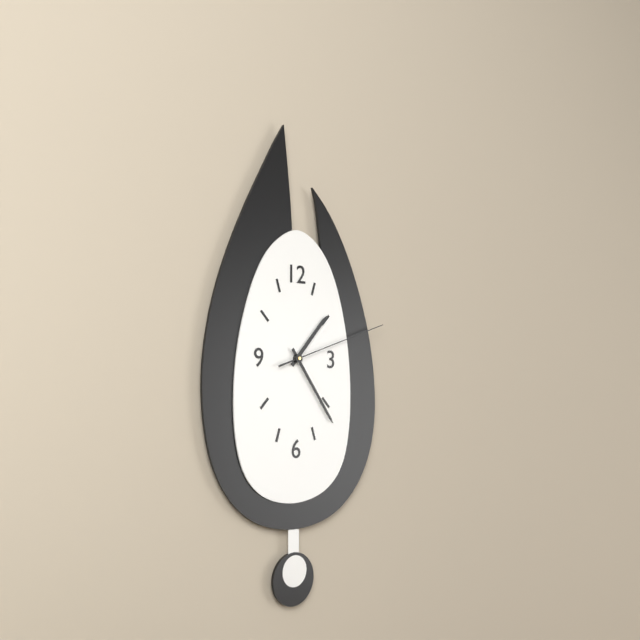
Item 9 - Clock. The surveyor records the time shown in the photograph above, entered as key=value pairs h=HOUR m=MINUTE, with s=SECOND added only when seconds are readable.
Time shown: h=1 m=24 s=12
